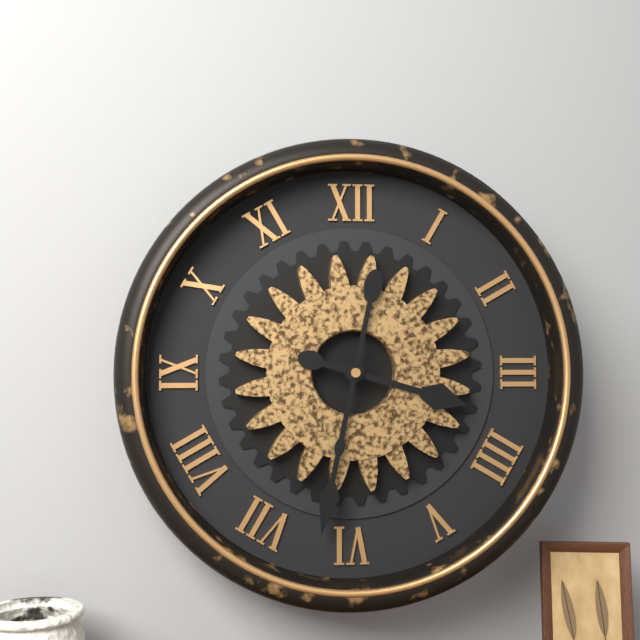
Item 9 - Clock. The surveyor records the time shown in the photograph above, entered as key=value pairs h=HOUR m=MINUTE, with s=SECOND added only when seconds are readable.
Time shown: h=3 m=32
